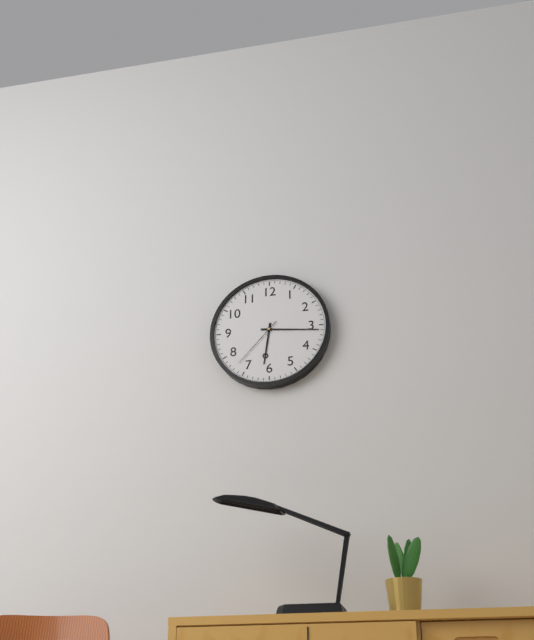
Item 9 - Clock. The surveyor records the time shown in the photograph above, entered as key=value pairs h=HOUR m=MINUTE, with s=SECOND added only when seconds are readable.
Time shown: h=6 m=16 s=37
